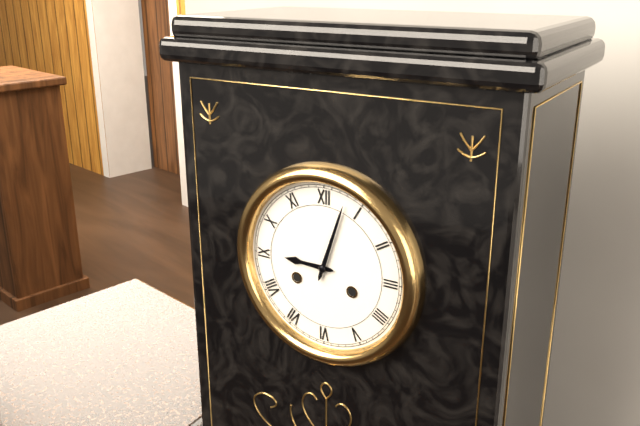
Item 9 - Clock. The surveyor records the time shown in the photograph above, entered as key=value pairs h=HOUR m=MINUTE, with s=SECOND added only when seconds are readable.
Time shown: h=9 m=3
